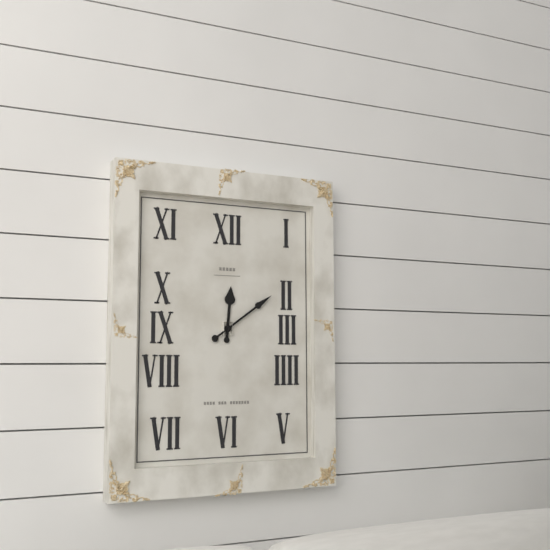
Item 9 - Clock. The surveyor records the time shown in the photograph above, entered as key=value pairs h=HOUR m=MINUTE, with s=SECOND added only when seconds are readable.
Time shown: h=12 m=9
